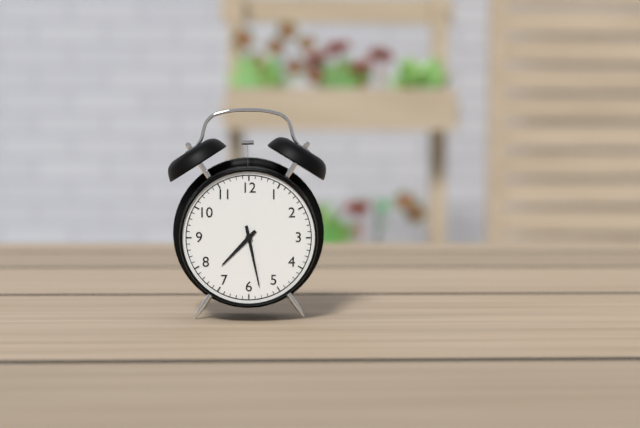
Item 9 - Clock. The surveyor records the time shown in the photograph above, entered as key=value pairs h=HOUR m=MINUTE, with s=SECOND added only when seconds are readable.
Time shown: h=7 m=28
